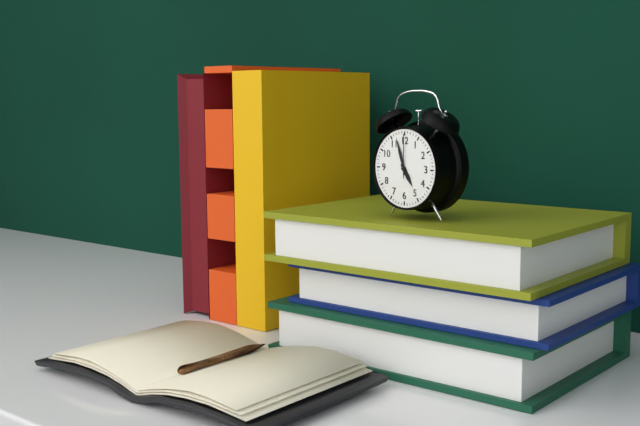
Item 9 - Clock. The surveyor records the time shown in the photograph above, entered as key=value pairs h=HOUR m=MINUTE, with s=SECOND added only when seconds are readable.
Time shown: h=4 m=57
